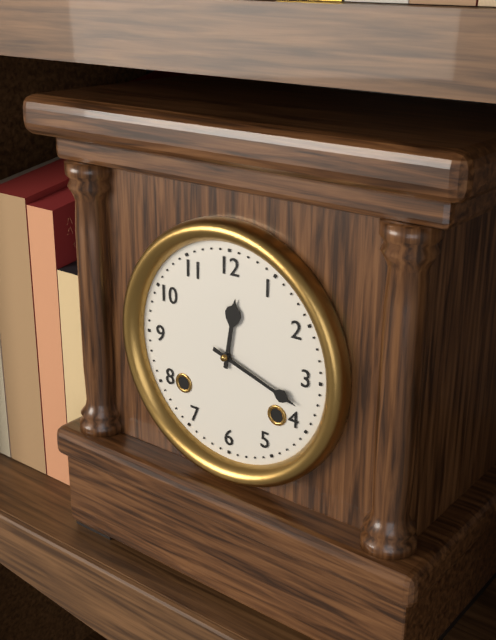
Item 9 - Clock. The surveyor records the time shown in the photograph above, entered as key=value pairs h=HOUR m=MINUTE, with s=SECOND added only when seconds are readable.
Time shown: h=12 m=18
